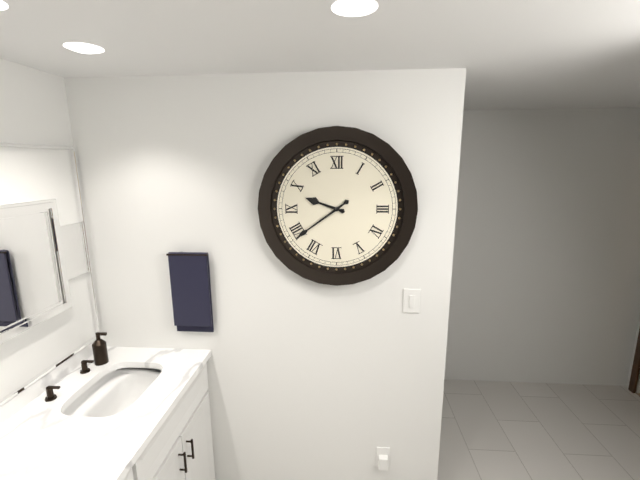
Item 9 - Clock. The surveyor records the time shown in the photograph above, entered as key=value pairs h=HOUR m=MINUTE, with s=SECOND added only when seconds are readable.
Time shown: h=9 m=39
